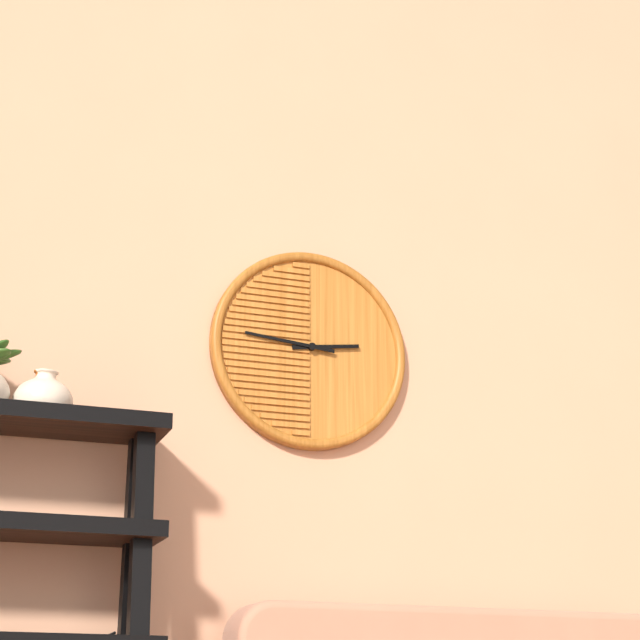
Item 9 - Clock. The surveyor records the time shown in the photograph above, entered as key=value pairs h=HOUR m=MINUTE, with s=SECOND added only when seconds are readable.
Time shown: h=2 m=46
